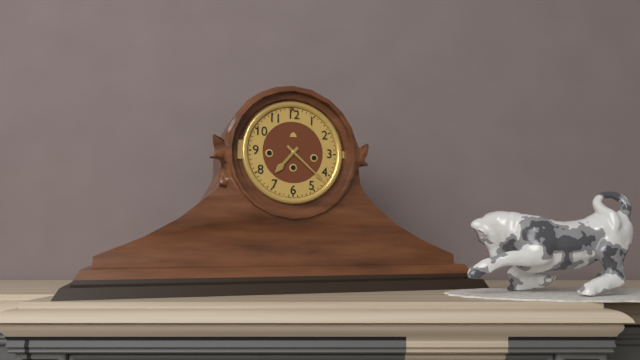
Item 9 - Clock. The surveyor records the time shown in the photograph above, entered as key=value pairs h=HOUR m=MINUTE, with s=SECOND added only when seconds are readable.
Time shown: h=7 m=22
